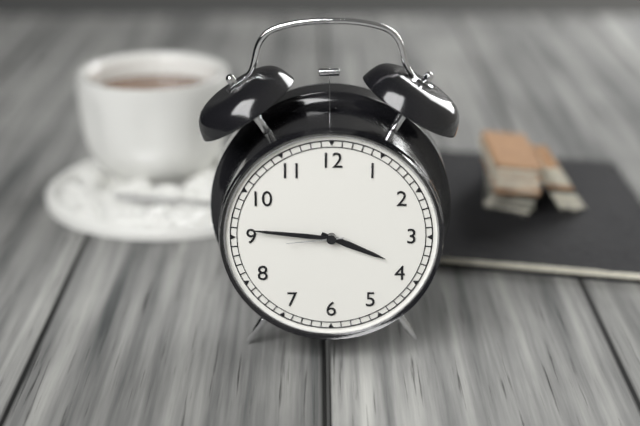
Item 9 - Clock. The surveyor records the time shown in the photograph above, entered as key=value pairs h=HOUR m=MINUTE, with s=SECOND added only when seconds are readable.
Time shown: h=3 m=46 s=44
